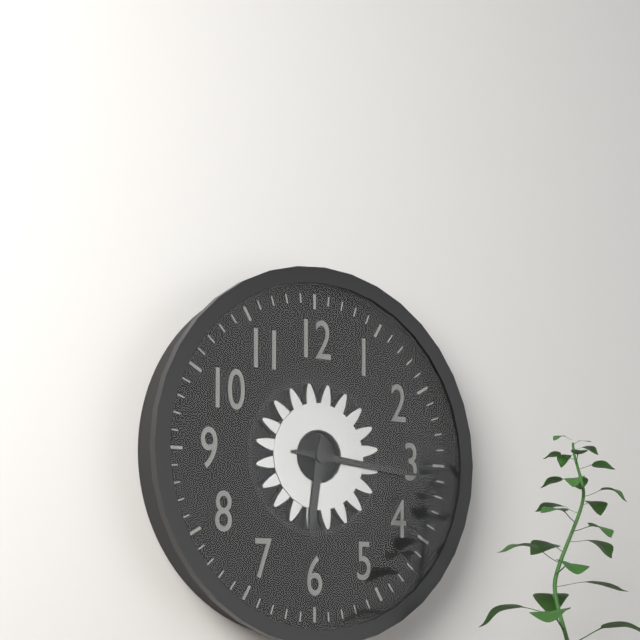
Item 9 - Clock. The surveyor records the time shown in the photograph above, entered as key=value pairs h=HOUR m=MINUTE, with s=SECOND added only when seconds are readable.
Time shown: h=6 m=16
